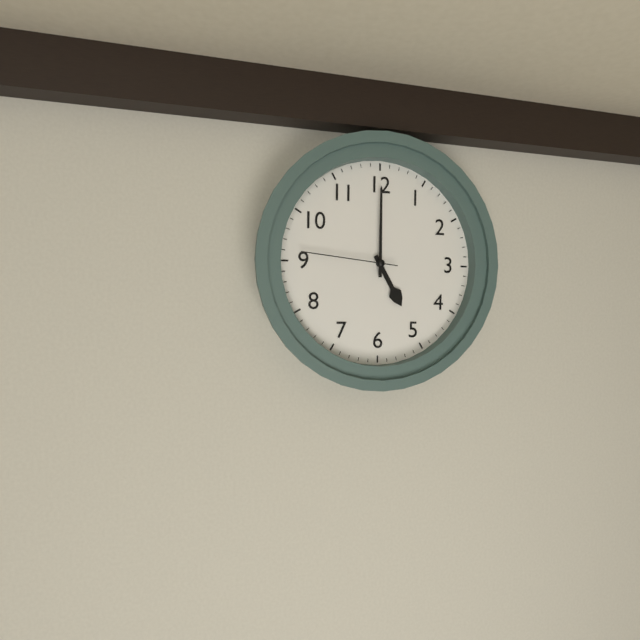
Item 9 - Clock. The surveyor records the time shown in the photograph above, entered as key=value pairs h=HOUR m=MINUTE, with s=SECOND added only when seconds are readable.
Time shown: h=5 m=0 s=46
